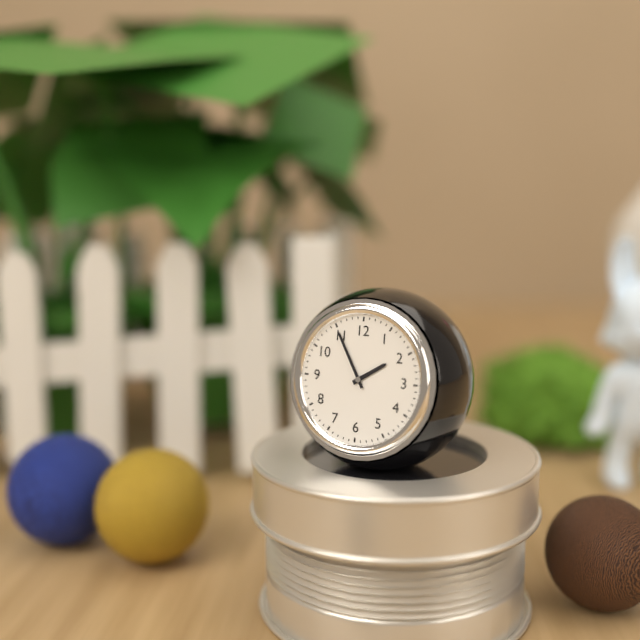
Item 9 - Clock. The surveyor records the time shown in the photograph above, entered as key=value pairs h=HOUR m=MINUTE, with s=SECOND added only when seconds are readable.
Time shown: h=1 m=55
